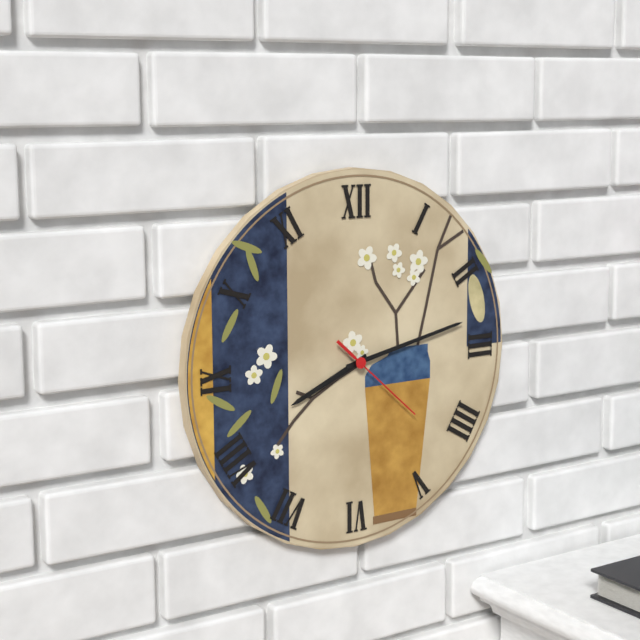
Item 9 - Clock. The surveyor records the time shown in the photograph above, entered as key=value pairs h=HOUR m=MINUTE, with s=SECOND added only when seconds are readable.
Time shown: h=8 m=13 s=22
